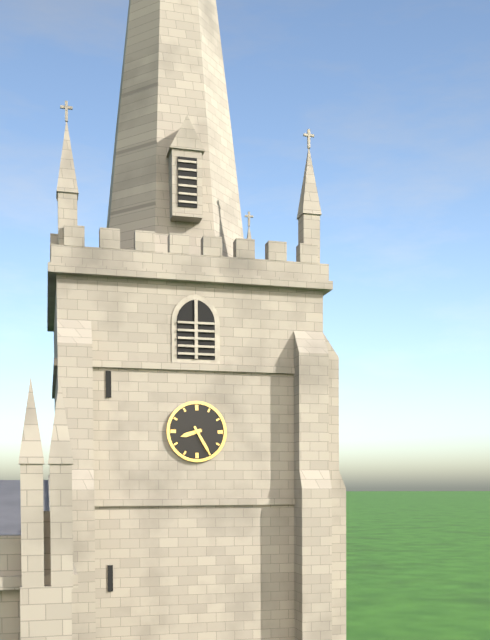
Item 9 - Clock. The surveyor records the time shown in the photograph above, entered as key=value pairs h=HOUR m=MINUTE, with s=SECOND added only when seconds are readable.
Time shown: h=8 m=25
